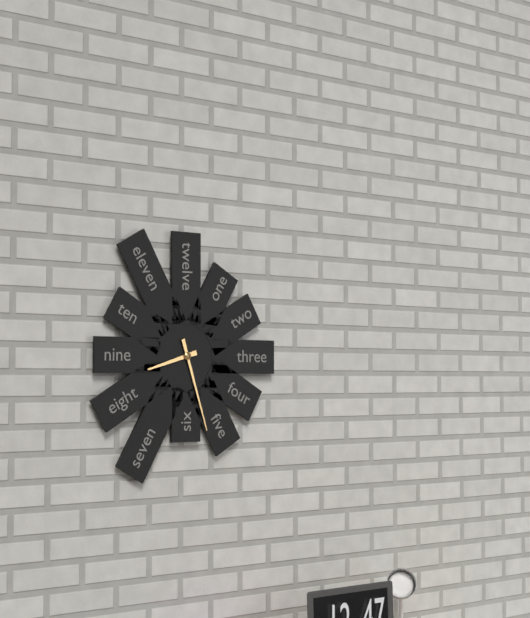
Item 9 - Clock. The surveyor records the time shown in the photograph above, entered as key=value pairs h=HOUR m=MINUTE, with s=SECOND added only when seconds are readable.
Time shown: h=8 m=27
